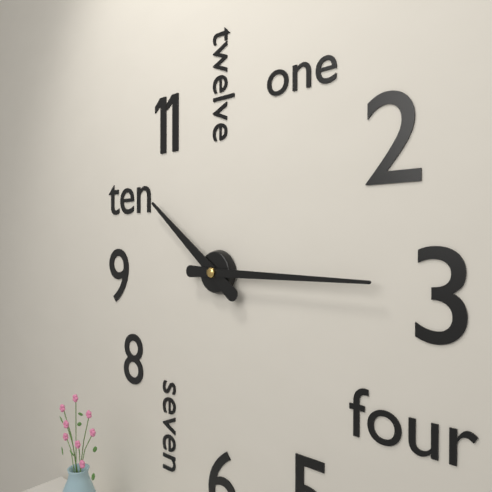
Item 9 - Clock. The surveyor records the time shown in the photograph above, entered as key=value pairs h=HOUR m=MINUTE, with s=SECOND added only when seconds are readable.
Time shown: h=10 m=15
